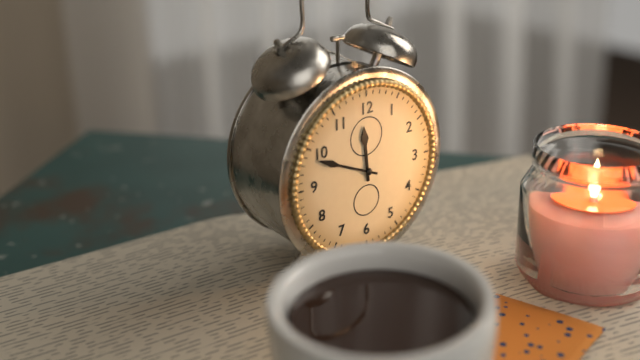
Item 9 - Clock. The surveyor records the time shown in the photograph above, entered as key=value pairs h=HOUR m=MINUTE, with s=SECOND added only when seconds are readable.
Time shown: h=11 m=49
